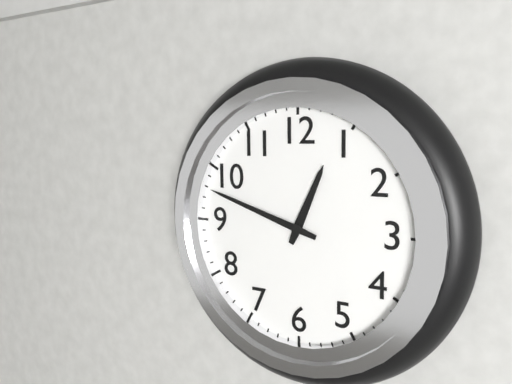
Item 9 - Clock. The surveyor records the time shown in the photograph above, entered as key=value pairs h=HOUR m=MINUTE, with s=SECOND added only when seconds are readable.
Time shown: h=12 m=48
